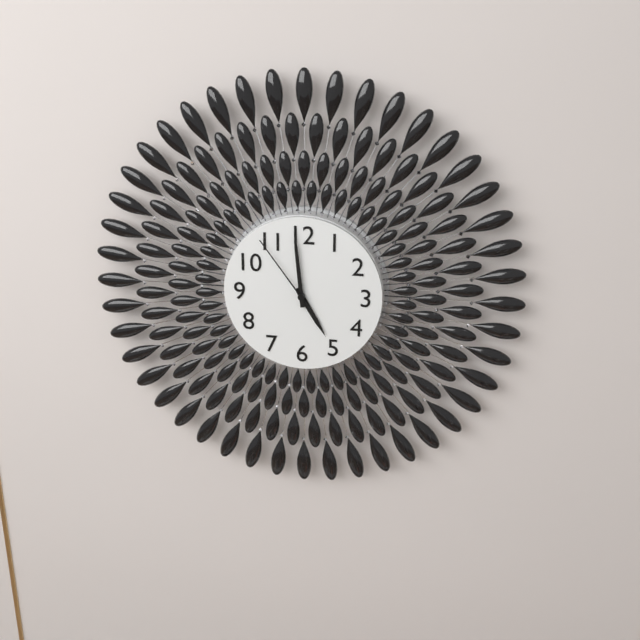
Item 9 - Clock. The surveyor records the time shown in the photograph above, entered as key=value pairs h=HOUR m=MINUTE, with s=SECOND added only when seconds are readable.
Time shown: h=4 m=59 s=54
